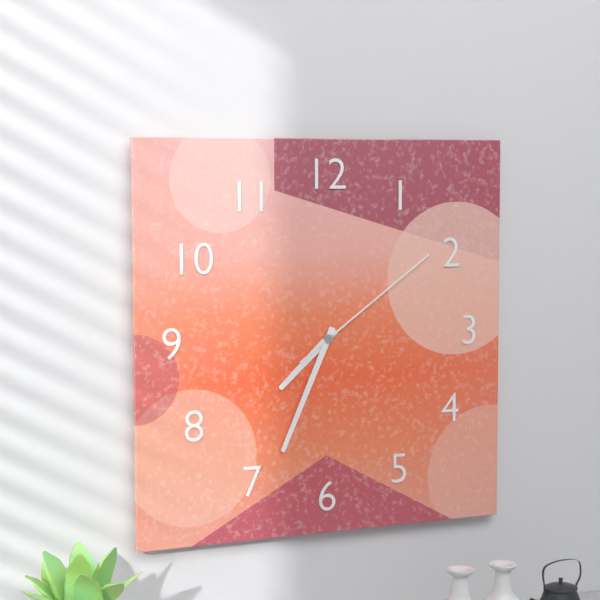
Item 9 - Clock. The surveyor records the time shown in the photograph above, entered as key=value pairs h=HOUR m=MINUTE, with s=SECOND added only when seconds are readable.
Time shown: h=7 m=34 s=9
